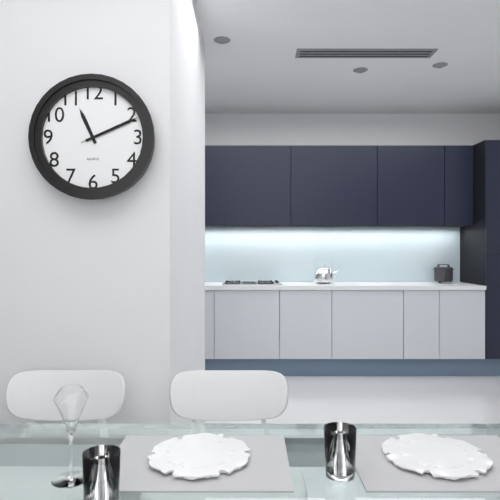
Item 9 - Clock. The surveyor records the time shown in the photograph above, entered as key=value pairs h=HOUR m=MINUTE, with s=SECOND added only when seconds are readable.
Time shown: h=11 m=11 s=11
